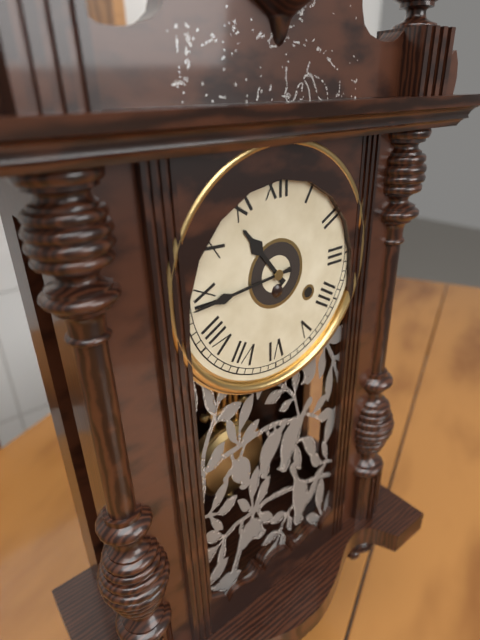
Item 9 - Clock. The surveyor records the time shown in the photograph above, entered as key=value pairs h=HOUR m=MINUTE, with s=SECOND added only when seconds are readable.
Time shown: h=10 m=44
